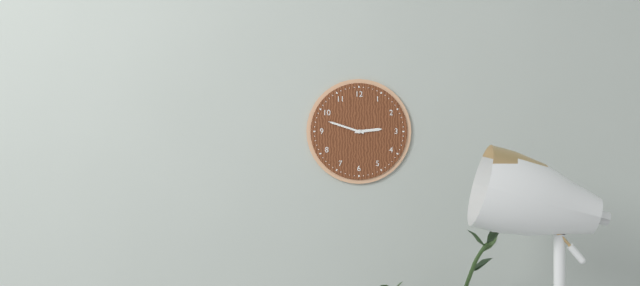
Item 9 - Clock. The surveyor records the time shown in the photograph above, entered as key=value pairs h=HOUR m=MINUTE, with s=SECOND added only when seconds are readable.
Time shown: h=2 m=48
